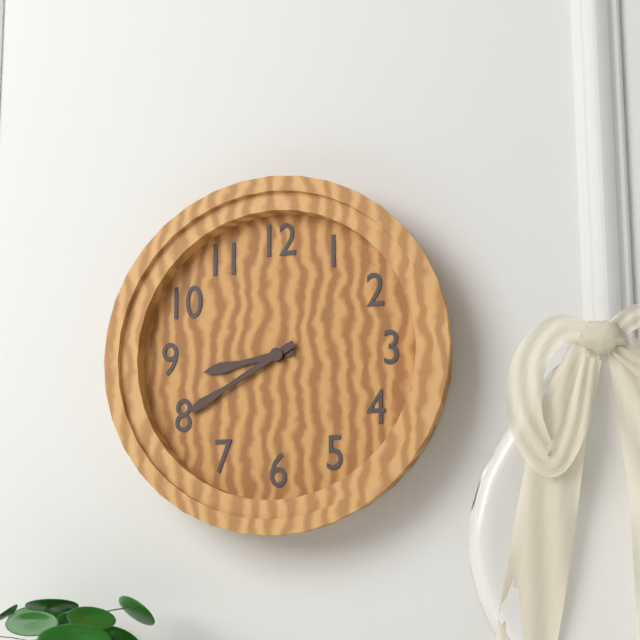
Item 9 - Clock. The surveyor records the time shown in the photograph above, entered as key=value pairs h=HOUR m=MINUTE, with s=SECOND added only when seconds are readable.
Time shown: h=8 m=40
